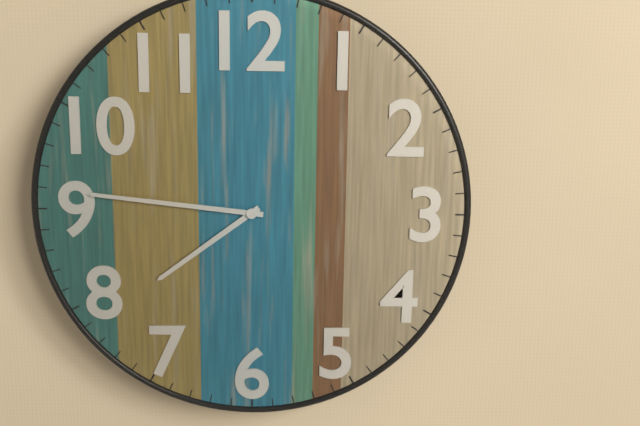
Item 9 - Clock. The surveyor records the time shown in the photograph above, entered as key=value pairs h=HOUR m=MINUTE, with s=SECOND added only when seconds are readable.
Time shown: h=7 m=46
